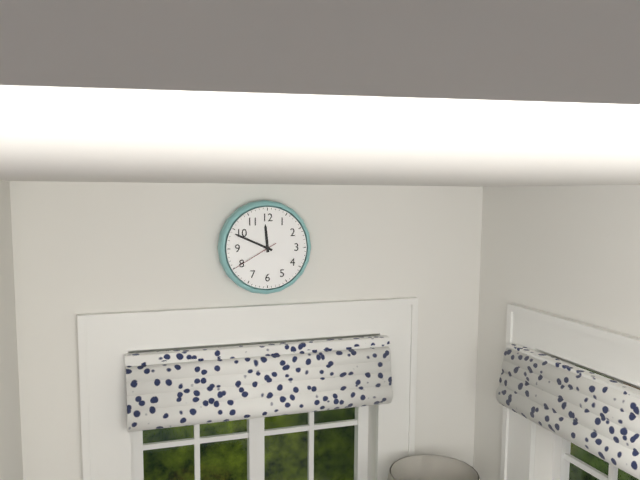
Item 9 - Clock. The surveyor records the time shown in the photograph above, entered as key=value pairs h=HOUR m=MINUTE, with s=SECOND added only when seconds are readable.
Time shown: h=11 m=49
